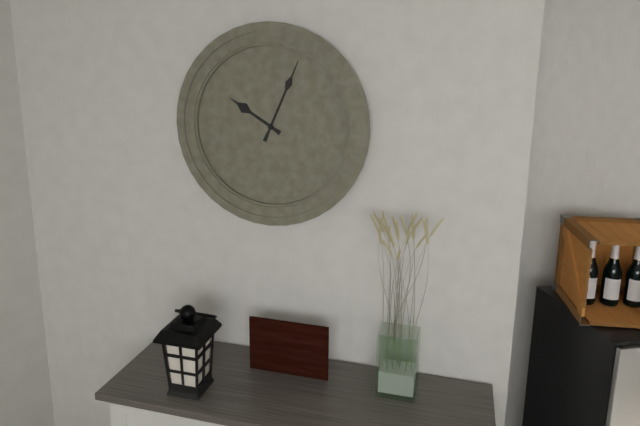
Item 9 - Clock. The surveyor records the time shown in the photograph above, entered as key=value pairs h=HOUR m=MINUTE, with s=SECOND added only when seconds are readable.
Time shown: h=10 m=4
